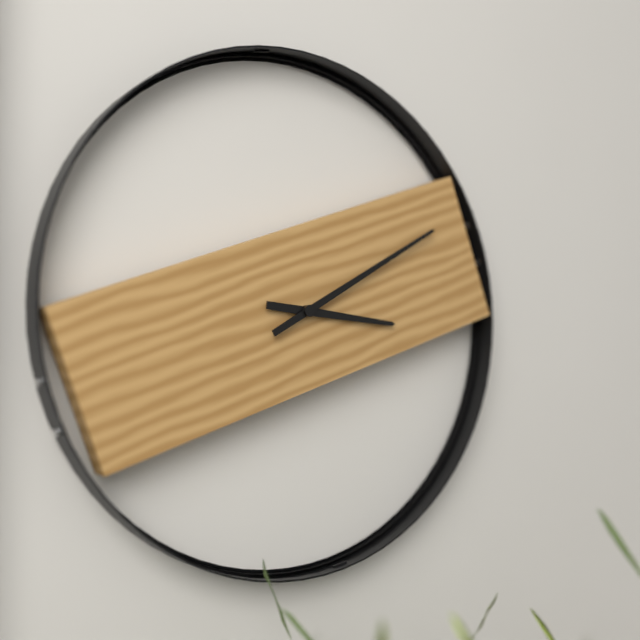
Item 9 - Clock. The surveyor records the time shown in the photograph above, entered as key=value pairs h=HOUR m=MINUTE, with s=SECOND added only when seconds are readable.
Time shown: h=3 m=10
